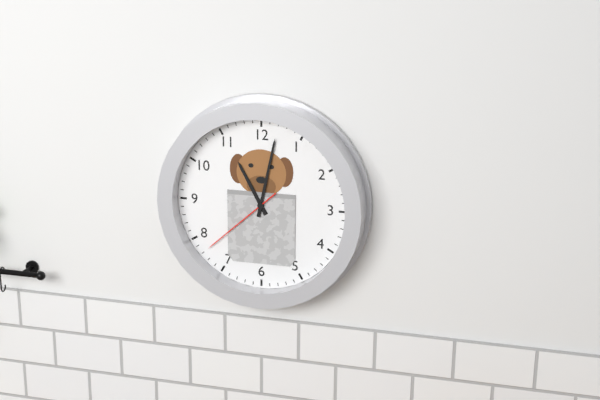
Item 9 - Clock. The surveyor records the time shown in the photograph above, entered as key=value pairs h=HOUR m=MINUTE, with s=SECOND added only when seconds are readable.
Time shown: h=11 m=2 s=38
